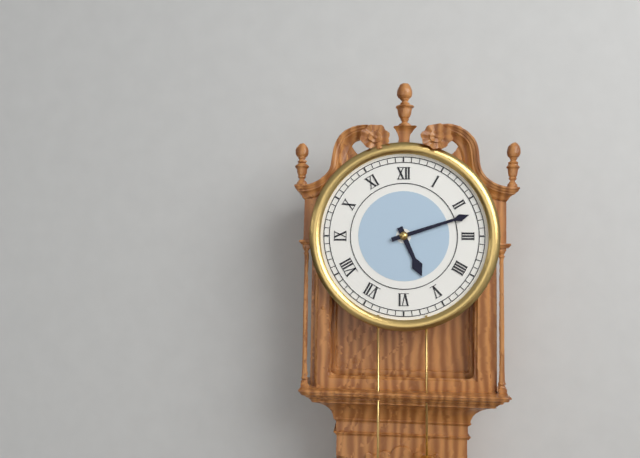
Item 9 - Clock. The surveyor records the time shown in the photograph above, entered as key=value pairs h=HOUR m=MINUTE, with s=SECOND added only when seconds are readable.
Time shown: h=5 m=12
